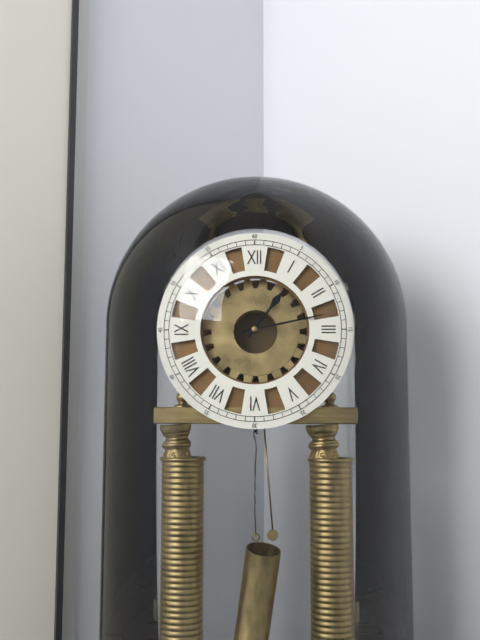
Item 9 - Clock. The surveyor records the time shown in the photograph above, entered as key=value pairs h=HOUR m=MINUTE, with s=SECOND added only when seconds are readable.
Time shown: h=1 m=13
